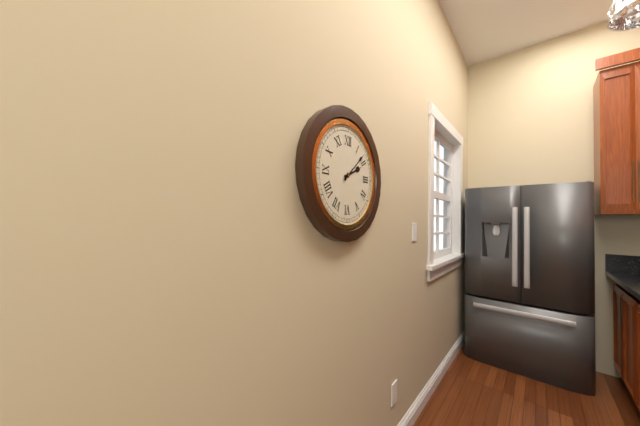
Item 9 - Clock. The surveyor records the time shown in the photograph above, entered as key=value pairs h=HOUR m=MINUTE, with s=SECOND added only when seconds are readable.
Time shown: h=2 m=8
